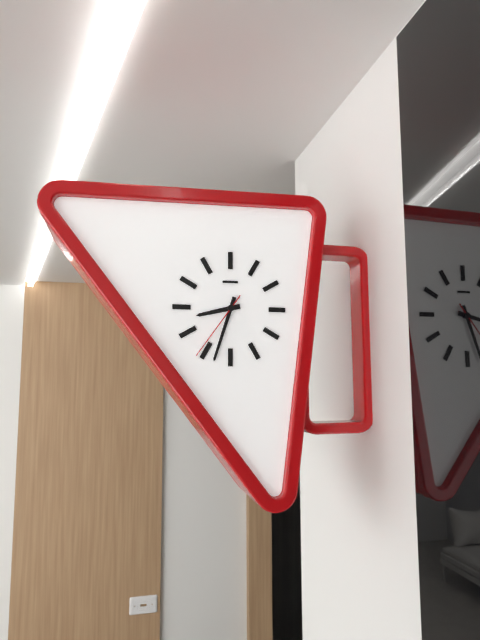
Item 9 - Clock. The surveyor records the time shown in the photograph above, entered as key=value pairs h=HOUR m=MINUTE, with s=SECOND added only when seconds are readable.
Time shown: h=8 m=33 s=36
